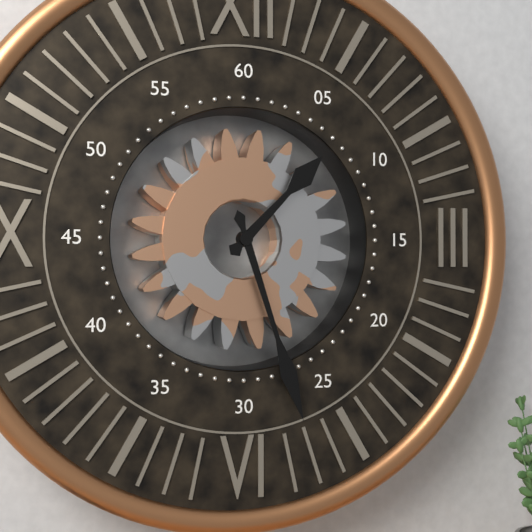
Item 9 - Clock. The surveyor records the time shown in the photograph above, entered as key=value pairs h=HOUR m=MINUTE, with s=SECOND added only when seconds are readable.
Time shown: h=1 m=27
